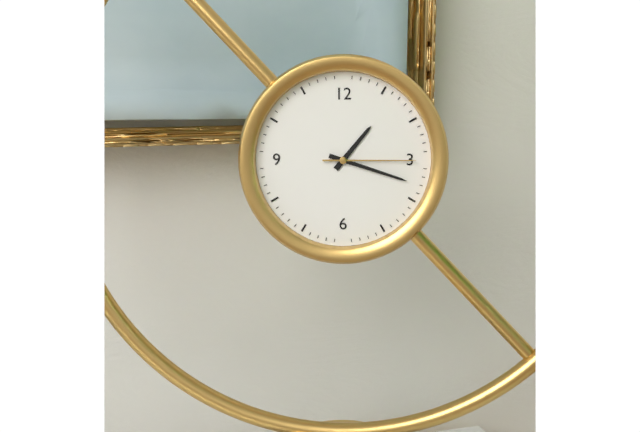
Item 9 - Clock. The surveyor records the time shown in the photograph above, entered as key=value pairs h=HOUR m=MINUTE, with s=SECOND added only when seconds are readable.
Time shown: h=1 m=18 s=15
